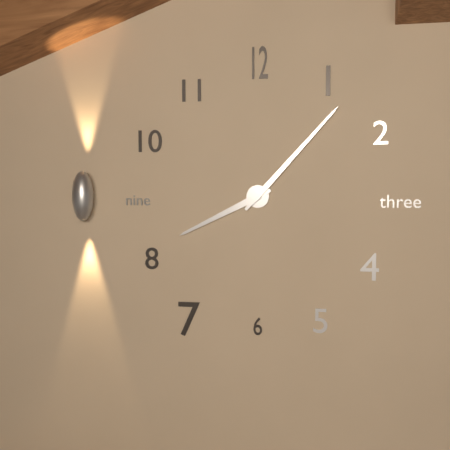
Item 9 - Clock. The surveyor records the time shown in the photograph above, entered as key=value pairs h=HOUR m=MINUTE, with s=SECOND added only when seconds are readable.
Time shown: h=8 m=7
